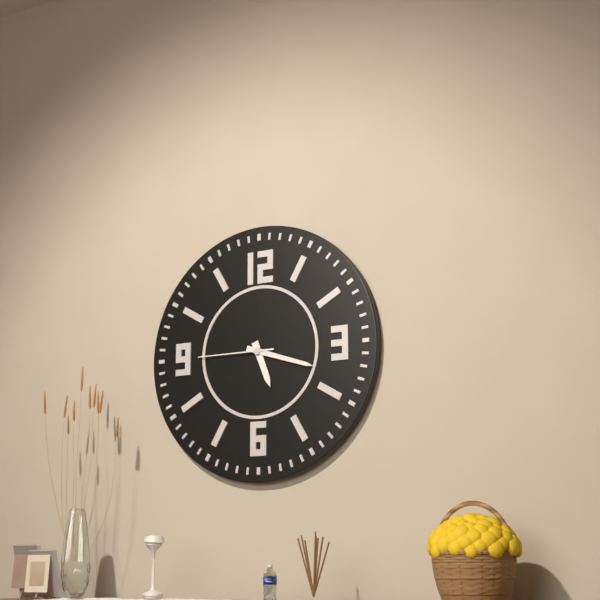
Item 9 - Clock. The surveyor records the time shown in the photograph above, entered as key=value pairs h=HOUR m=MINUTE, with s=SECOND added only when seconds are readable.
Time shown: h=5 m=18 s=45
